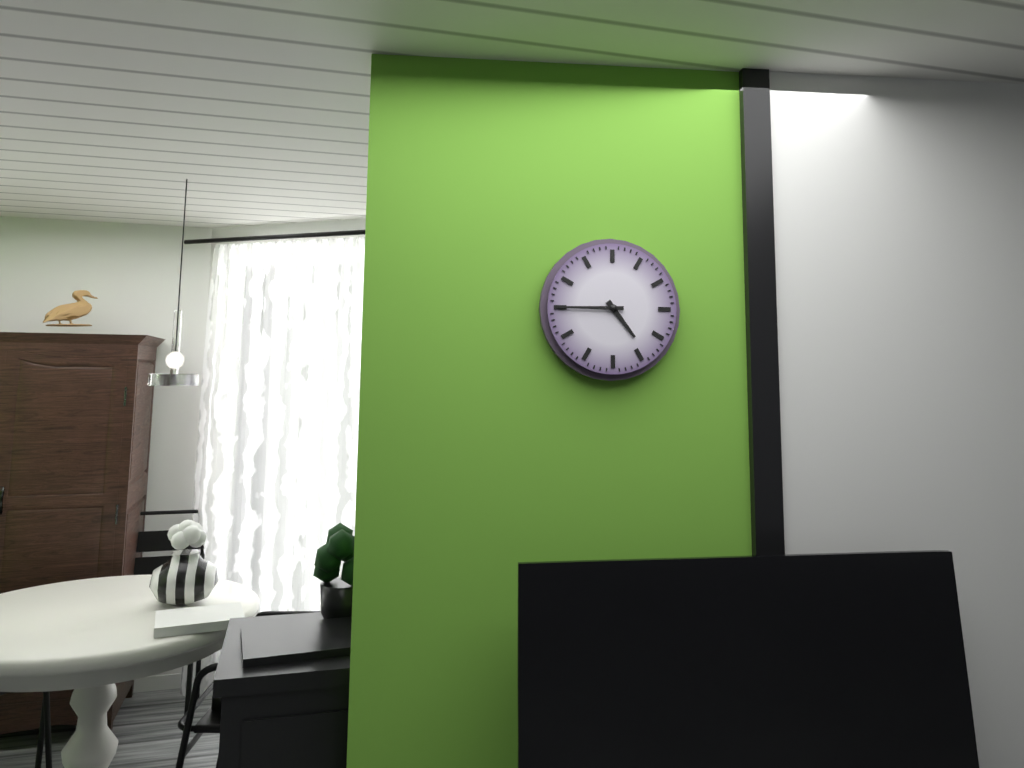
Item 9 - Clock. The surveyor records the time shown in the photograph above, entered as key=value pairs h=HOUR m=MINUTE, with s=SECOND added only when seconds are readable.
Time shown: h=4 m=45
